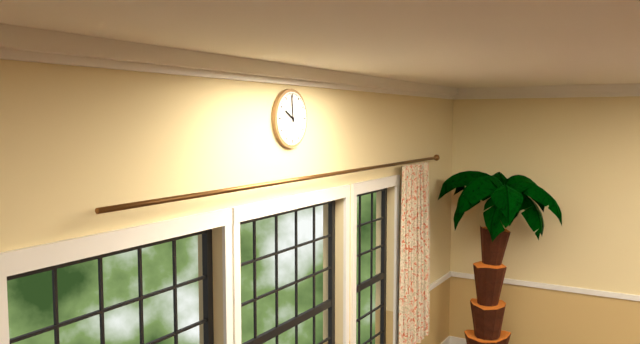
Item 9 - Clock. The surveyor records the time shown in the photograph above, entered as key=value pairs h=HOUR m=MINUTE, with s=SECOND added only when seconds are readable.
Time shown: h=9 m=59
